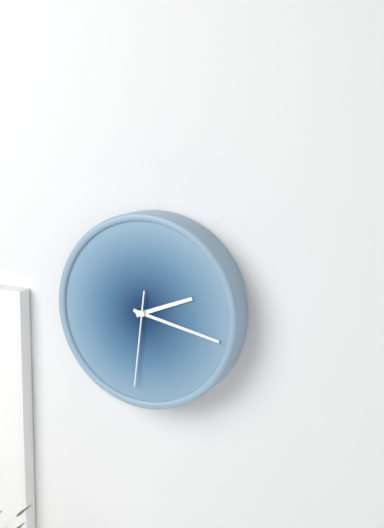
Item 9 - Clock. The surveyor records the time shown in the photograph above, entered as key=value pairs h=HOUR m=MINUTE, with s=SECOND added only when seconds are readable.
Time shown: h=2 m=17 s=31
